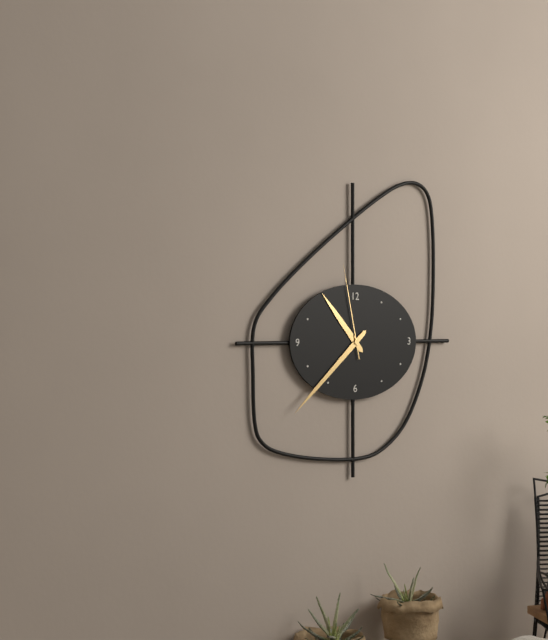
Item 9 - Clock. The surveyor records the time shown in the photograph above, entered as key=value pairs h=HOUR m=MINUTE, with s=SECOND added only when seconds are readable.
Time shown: h=10 m=38 s=58
